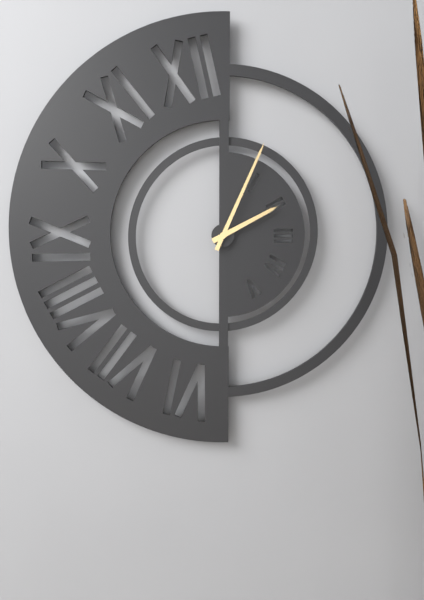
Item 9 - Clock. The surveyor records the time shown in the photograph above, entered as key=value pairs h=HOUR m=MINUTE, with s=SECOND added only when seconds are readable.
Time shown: h=2 m=4
